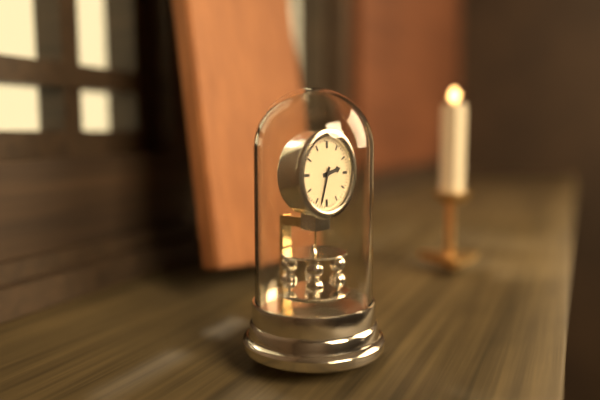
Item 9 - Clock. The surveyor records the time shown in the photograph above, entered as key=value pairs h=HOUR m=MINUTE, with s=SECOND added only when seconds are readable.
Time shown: h=2 m=33
